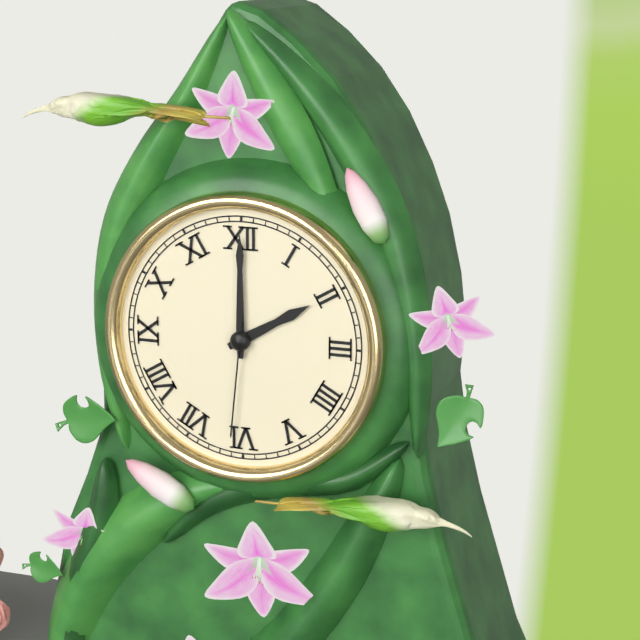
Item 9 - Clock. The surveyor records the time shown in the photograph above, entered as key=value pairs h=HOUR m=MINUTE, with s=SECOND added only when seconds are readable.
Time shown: h=2 m=0 s=31
